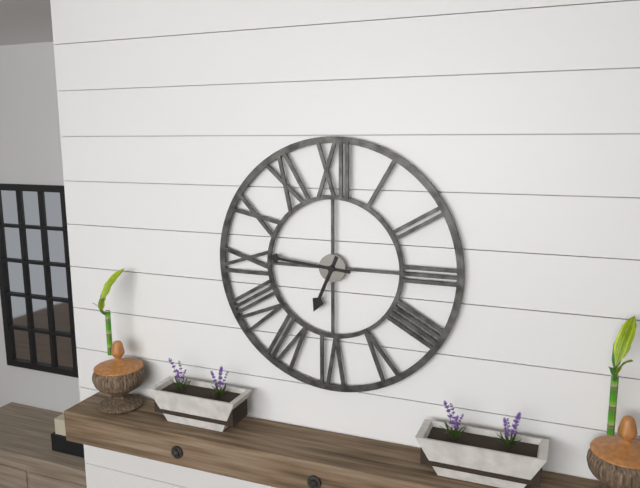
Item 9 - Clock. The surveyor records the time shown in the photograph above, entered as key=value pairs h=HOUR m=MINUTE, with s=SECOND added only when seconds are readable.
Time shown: h=6 m=46
